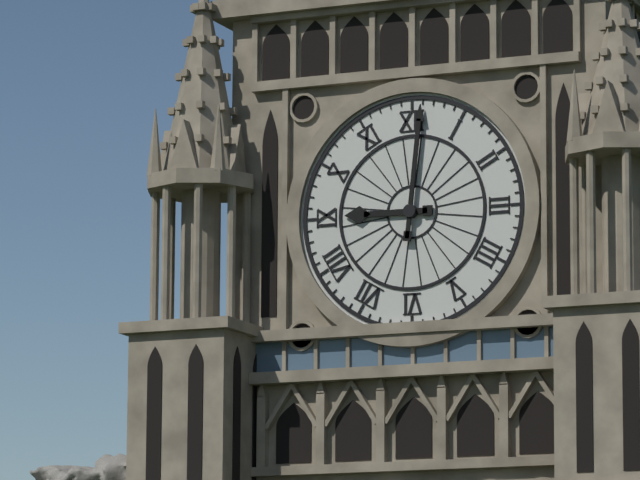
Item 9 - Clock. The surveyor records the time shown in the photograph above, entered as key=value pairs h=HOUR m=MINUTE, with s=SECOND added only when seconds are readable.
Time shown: h=9 m=1
